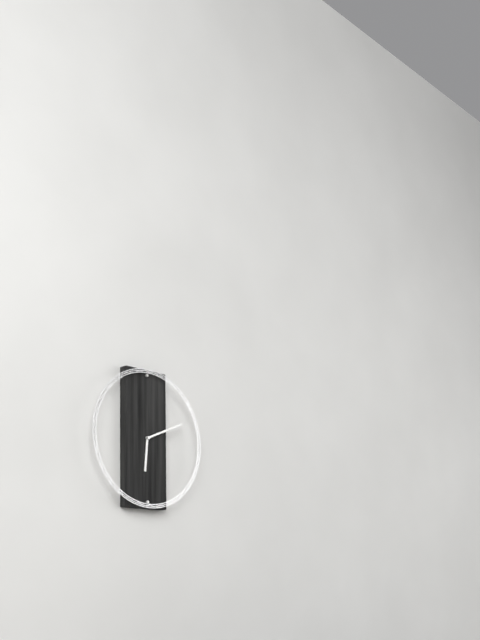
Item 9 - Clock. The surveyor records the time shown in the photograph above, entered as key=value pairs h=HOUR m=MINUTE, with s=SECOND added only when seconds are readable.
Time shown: h=6 m=11
